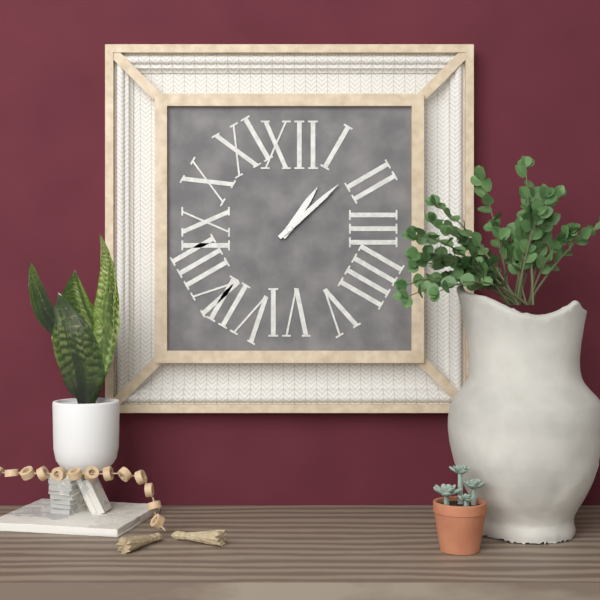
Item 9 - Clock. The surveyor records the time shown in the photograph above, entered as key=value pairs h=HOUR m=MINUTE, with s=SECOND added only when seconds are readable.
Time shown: h=1 m=8
